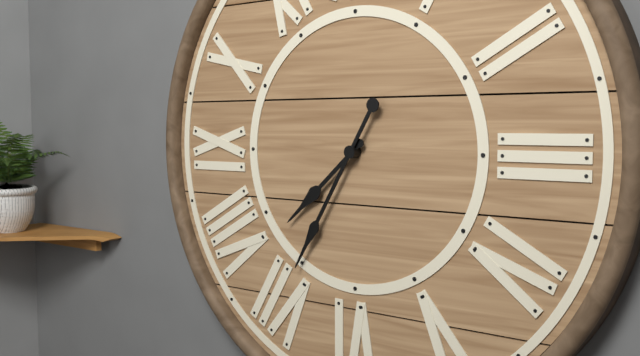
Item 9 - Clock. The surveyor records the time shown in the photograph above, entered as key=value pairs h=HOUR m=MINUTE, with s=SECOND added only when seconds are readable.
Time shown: h=7 m=35
